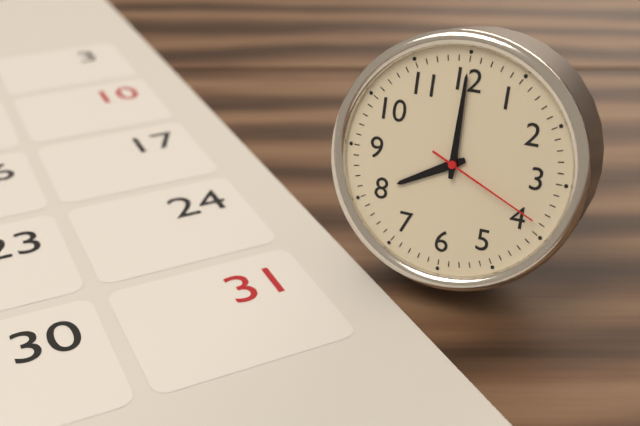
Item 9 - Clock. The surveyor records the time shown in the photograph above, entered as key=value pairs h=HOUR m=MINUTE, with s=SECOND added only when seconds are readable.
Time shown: h=8 m=0 s=19
